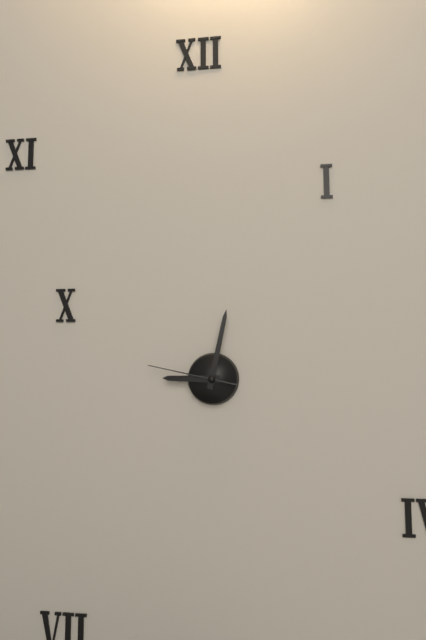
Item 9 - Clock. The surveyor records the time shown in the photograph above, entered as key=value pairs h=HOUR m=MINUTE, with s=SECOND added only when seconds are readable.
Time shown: h=9 m=2 s=47
